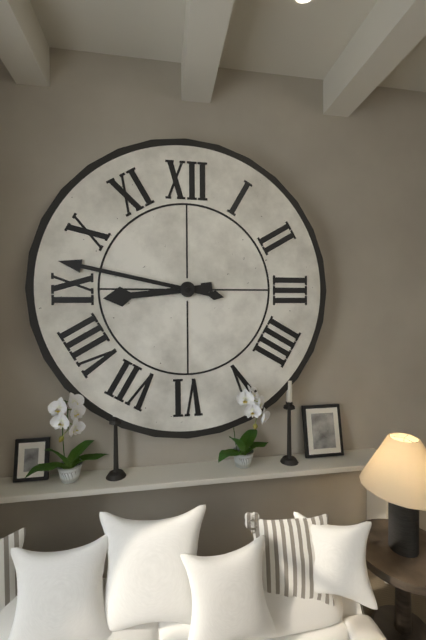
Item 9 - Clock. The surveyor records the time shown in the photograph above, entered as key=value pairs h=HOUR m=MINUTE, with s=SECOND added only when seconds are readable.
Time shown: h=8 m=47
